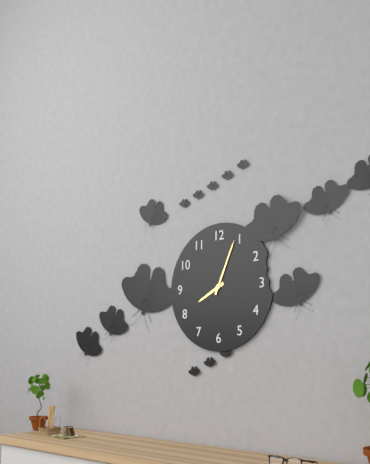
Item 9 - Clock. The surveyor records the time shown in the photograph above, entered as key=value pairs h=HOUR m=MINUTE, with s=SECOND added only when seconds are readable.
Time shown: h=8 m=4
